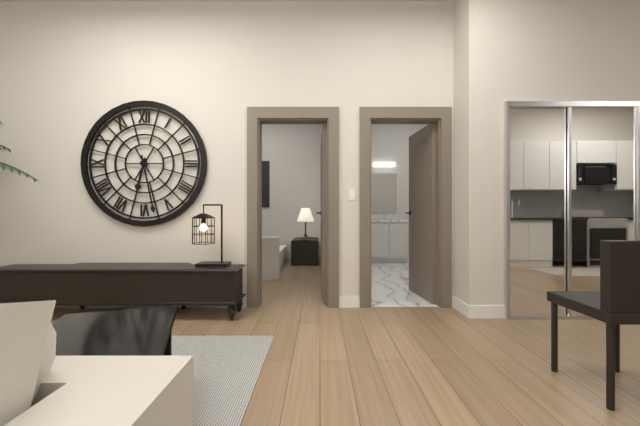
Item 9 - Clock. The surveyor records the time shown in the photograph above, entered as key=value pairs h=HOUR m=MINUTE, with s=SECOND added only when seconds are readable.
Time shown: h=6 m=28
